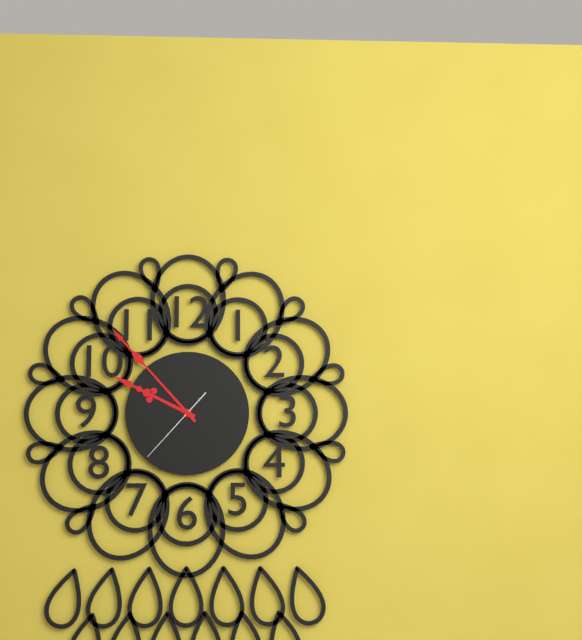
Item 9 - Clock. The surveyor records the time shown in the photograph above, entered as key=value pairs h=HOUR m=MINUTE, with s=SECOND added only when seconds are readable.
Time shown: h=9 m=53 s=37
